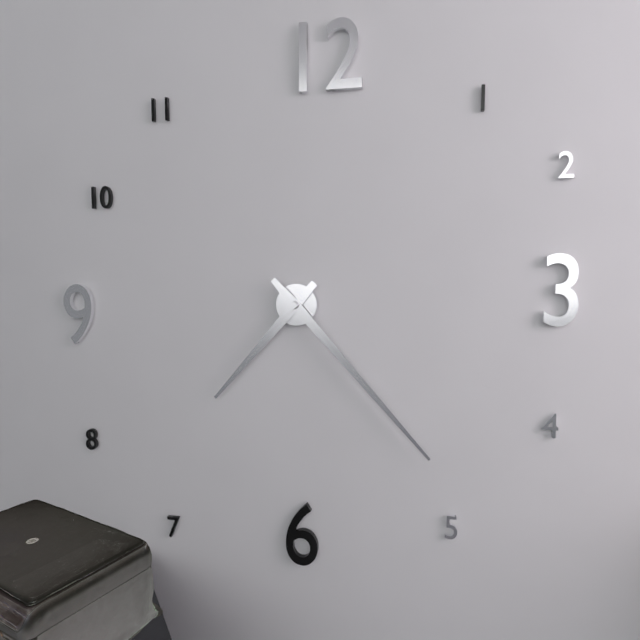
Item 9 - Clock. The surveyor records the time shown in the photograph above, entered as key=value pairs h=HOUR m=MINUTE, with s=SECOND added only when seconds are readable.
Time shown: h=7 m=23
